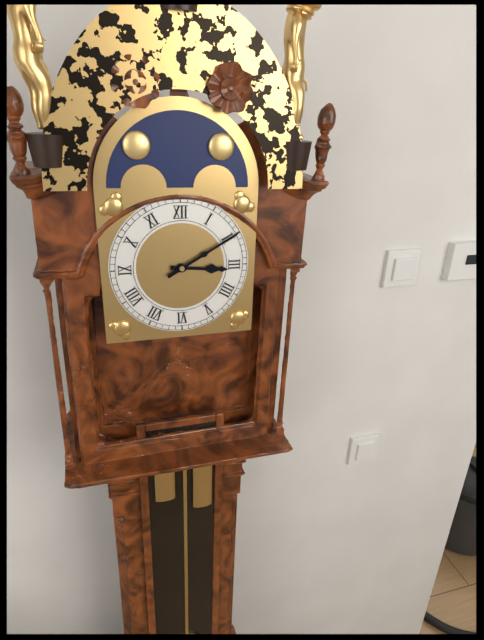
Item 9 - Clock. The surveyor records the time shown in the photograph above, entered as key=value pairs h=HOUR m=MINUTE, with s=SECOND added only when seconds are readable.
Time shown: h=3 m=10
